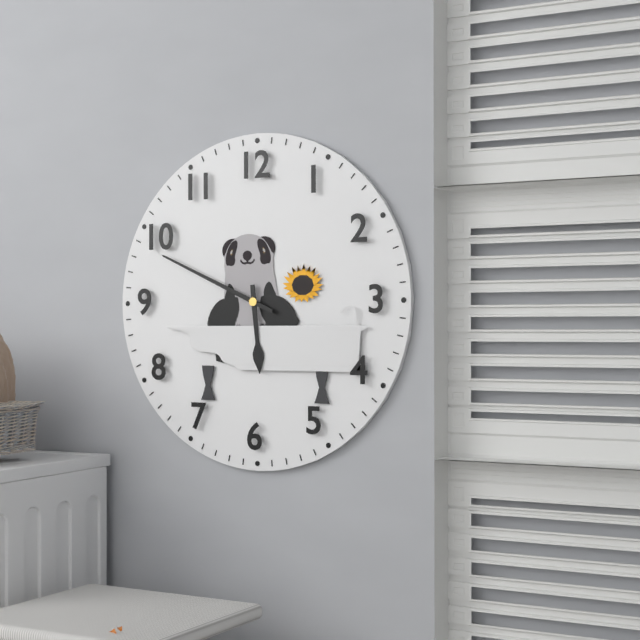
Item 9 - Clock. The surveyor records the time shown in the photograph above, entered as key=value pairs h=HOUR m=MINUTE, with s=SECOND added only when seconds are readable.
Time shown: h=5 m=49
